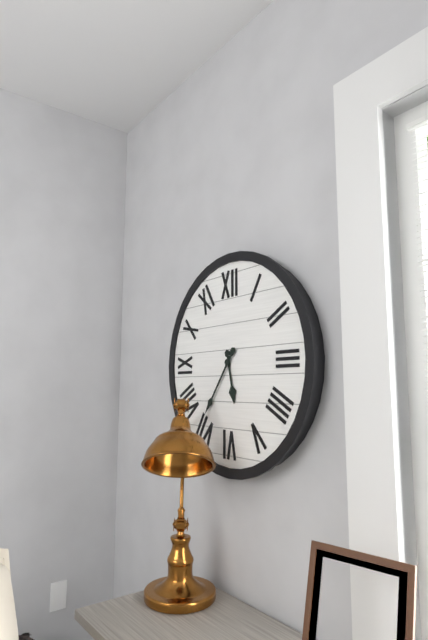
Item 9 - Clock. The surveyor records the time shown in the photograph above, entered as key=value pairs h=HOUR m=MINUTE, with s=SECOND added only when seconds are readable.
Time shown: h=5 m=36
